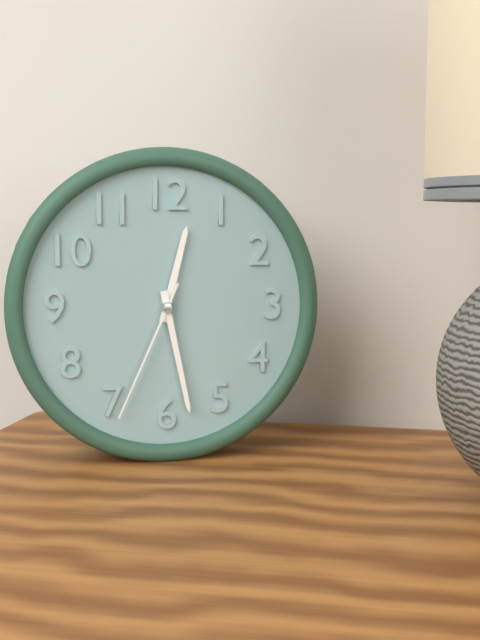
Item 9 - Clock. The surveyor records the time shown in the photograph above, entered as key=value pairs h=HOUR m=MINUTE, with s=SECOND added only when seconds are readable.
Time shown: h=12 m=28 s=34
